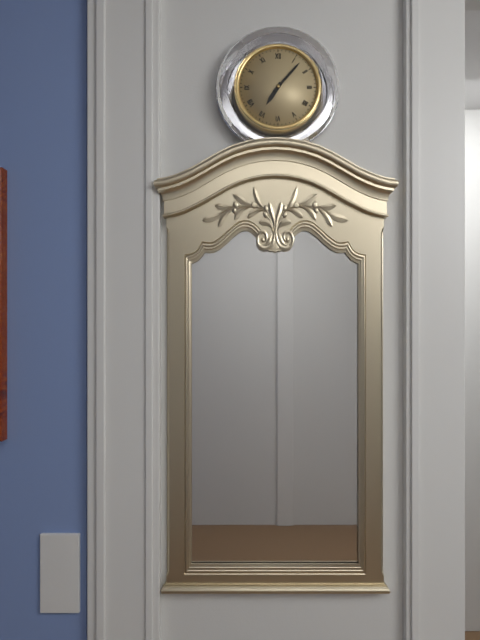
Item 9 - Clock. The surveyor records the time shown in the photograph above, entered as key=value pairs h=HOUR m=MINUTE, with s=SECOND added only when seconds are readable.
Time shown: h=7 m=7
